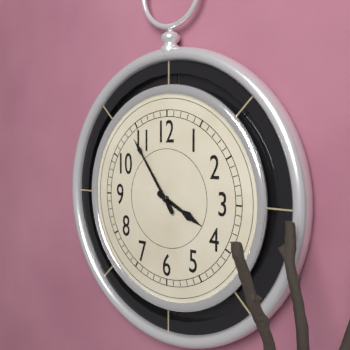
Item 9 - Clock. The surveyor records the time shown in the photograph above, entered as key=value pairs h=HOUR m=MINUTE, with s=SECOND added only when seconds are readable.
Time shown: h=3 m=54
